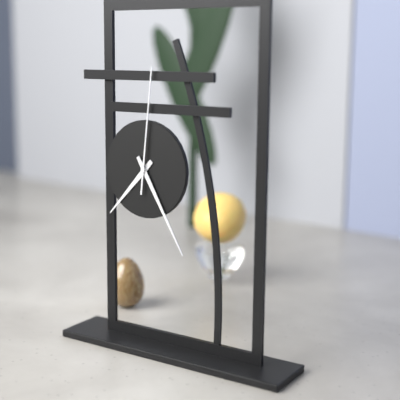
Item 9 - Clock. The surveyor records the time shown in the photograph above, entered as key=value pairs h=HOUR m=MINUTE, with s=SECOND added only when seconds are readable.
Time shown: h=7 m=25 s=1
